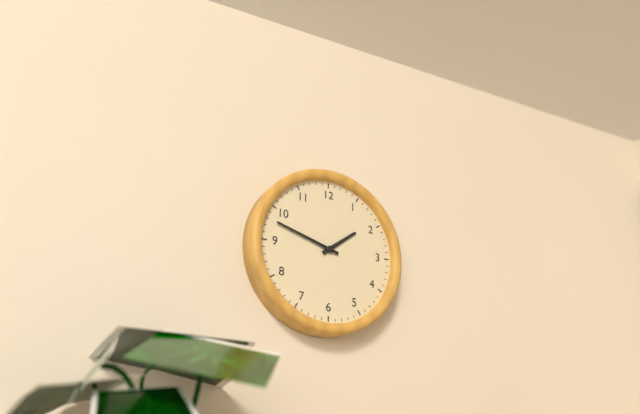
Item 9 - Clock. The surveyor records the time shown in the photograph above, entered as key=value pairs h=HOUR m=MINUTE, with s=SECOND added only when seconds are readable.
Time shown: h=1 m=48
